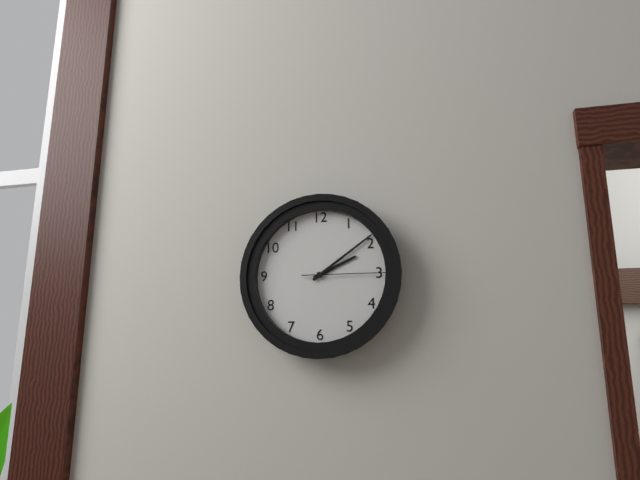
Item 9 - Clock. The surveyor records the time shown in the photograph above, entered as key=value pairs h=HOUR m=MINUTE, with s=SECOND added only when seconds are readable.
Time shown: h=2 m=9 s=15
